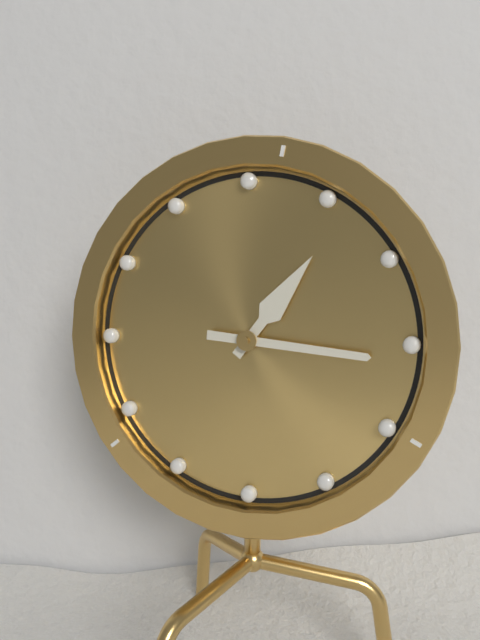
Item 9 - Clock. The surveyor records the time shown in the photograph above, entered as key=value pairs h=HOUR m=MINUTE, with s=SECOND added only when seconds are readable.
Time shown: h=1 m=16
